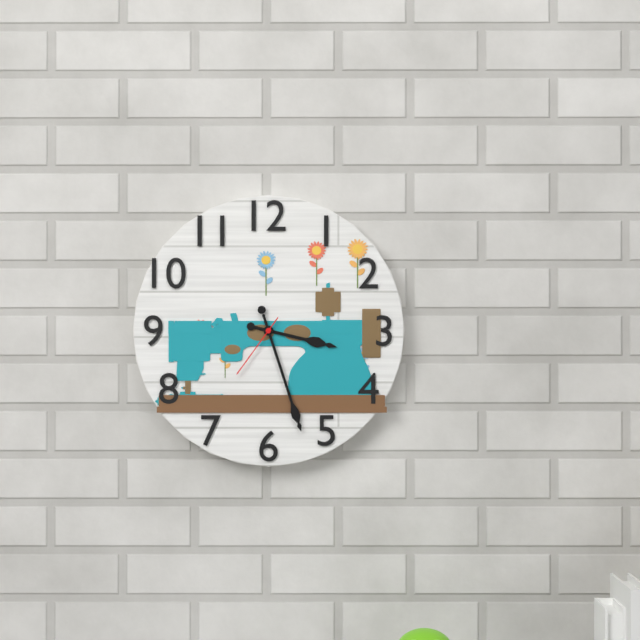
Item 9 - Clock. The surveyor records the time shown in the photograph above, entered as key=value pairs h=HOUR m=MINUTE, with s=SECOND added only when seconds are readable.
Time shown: h=3 m=27 s=36
